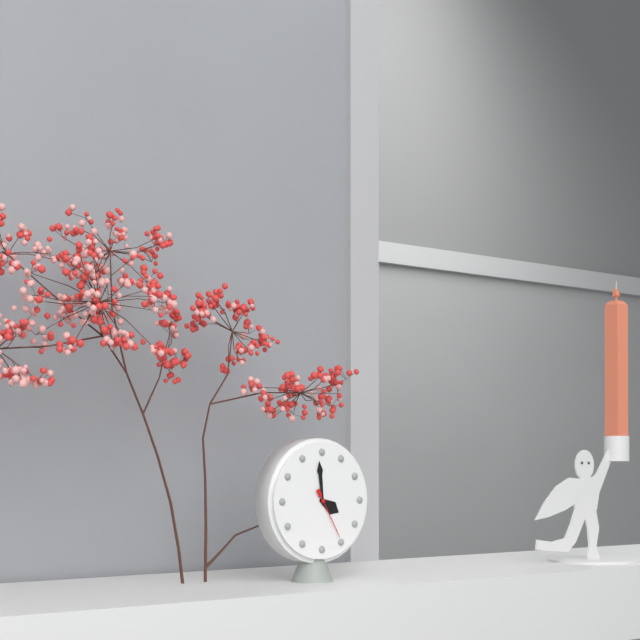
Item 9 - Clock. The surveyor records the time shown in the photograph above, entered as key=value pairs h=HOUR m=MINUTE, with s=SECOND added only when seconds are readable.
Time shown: h=3 m=59
